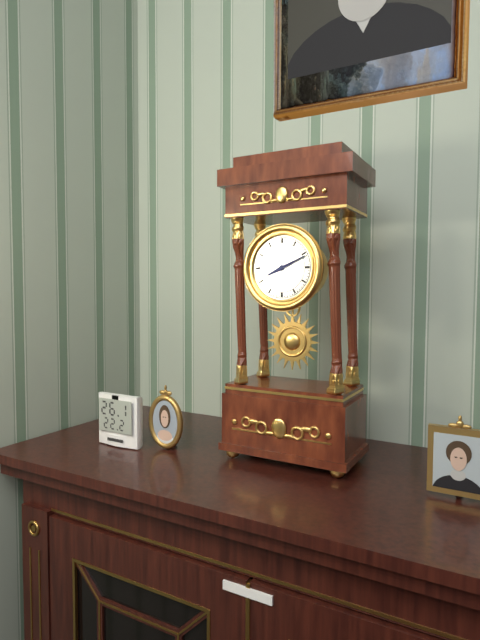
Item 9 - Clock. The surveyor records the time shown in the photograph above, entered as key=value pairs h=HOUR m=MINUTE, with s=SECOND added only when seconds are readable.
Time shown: h=8 m=11
